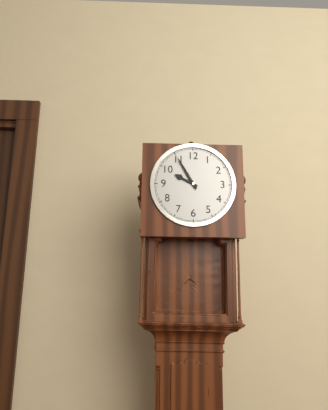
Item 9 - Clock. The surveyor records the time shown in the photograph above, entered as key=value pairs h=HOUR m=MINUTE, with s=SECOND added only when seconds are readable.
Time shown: h=9 m=55
